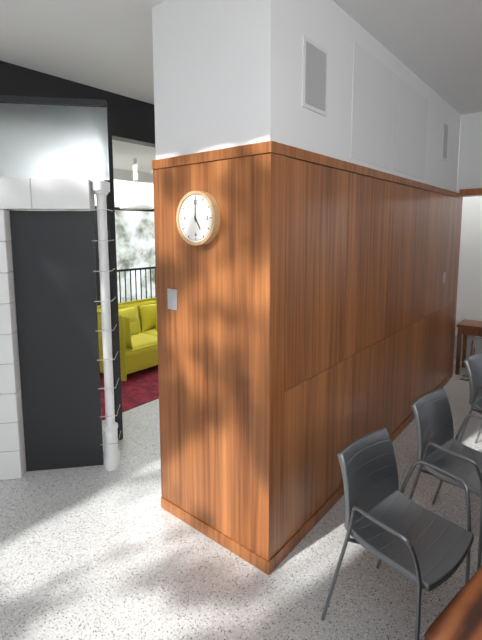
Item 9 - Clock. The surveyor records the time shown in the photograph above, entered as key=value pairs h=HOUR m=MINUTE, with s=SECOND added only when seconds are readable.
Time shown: h=5 m=0
